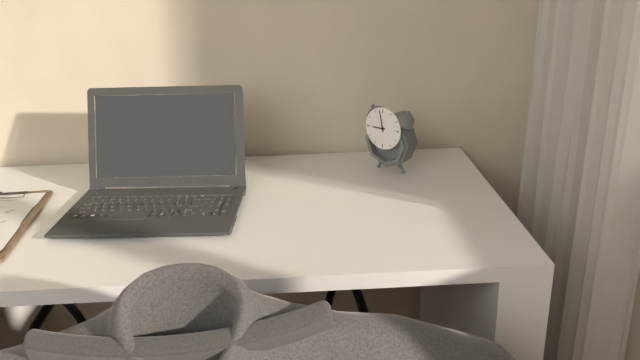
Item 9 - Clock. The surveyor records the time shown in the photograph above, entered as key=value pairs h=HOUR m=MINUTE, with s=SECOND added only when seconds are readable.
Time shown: h=8 m=58
